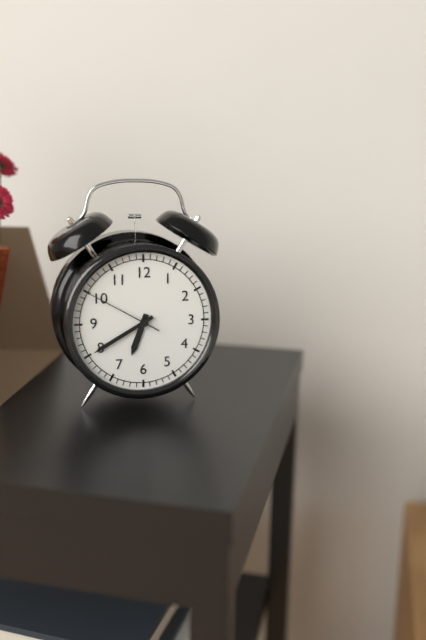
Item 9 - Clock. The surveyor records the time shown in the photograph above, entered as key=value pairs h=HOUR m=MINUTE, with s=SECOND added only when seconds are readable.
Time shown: h=6 m=40 s=50
